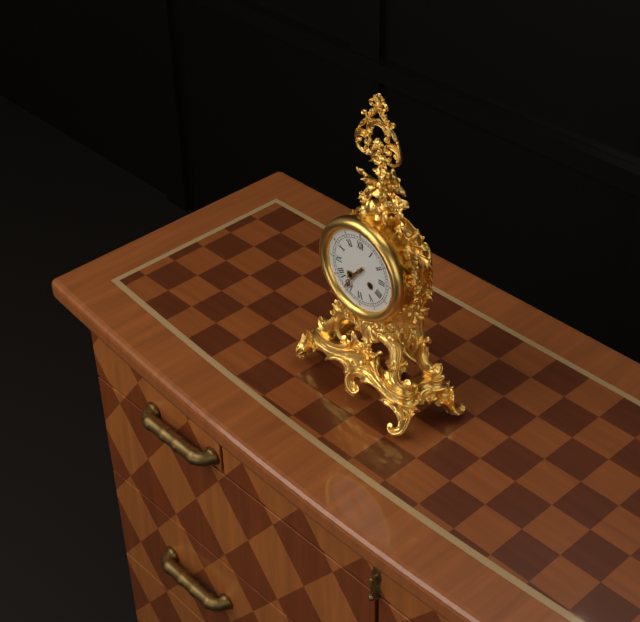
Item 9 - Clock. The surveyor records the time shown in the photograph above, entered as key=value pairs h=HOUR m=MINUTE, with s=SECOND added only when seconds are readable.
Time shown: h=7 m=36
